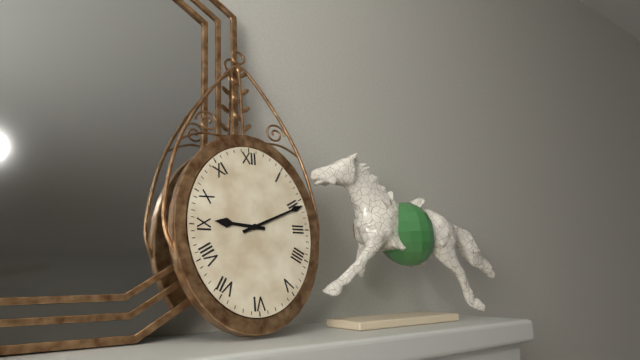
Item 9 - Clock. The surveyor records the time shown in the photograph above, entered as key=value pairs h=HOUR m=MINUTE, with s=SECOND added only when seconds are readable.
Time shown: h=9 m=11
